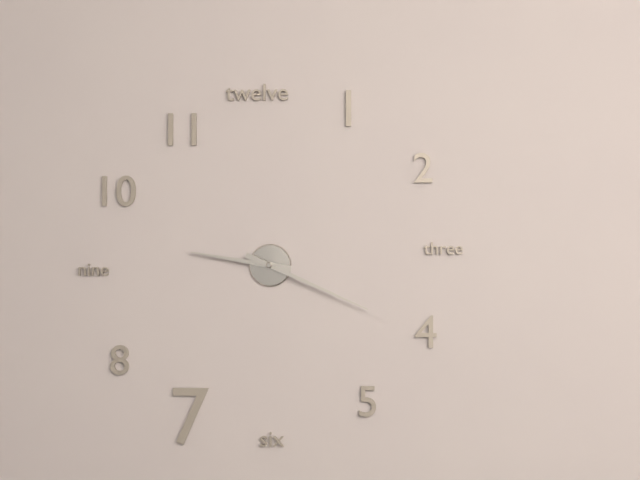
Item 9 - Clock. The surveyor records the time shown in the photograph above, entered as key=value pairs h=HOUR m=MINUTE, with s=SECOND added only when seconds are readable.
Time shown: h=9 m=19
